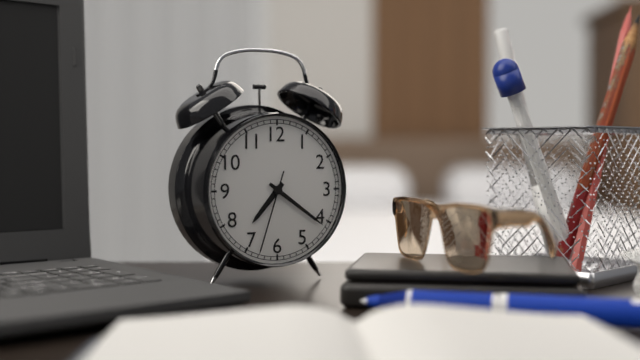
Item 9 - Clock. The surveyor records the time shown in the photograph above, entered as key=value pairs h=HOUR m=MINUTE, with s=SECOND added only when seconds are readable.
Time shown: h=7 m=21 s=33
